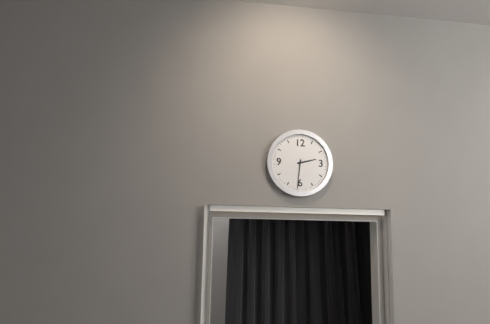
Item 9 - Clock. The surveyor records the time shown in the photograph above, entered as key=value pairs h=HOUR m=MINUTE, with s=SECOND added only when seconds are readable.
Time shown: h=2 m=31
